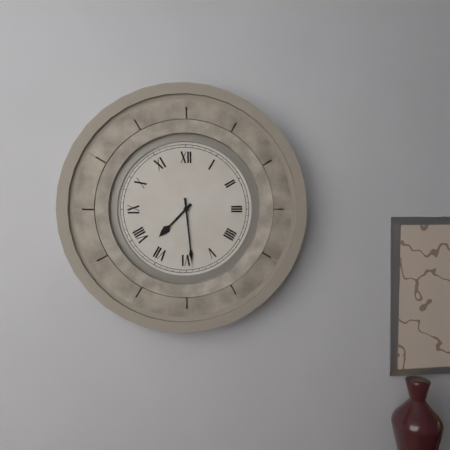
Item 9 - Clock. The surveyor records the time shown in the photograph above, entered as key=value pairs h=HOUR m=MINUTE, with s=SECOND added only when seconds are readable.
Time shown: h=7 m=29
